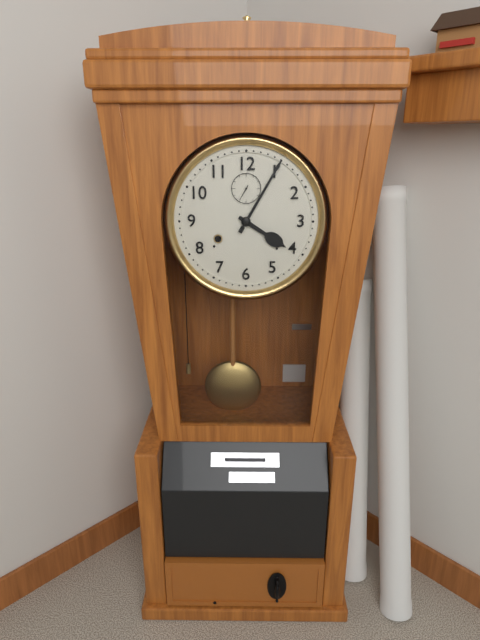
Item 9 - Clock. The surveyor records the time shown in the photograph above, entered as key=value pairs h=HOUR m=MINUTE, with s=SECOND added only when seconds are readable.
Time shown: h=4 m=5
